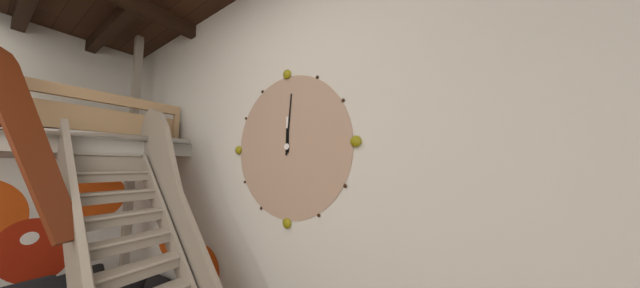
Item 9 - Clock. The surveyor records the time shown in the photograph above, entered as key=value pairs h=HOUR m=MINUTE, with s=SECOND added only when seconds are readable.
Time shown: h=12 m=1
